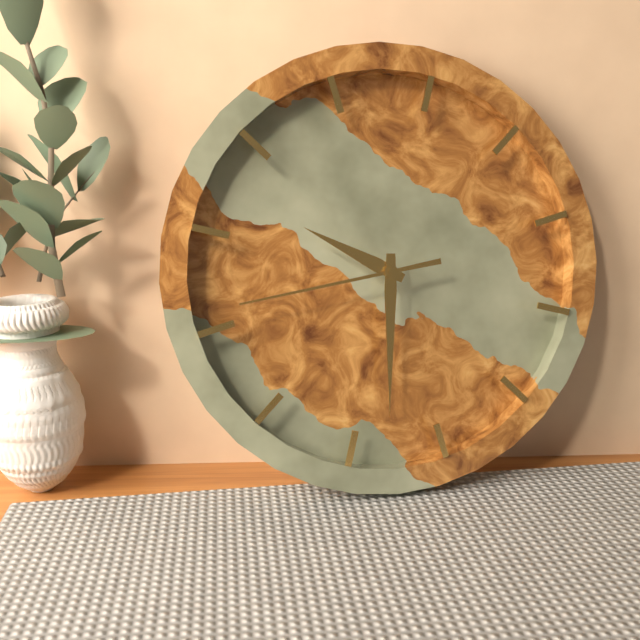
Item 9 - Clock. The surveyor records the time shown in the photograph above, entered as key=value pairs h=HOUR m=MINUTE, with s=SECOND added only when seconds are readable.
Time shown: h=9 m=28 s=41
